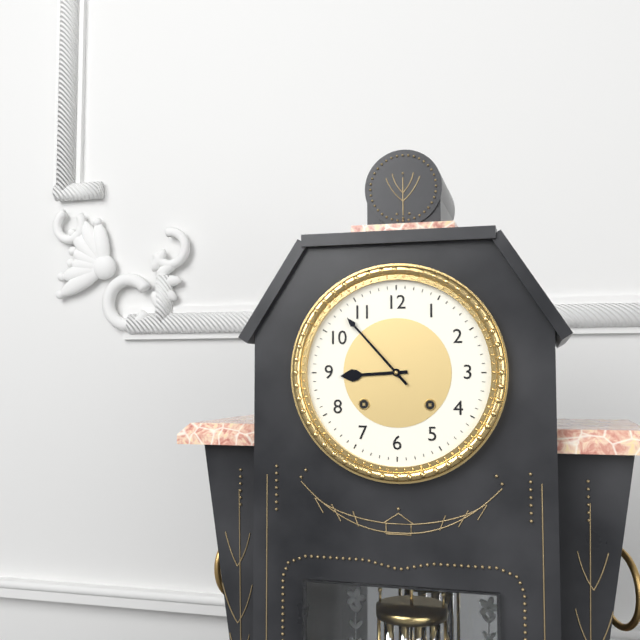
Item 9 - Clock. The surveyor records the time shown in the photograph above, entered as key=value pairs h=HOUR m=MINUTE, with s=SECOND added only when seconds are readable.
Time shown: h=8 m=53
